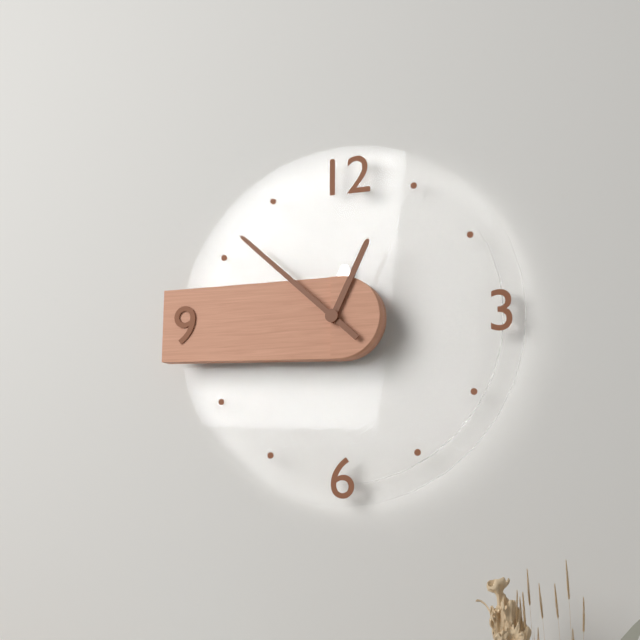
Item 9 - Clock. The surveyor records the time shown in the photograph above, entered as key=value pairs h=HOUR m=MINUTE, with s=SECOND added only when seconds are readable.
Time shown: h=12 m=52
